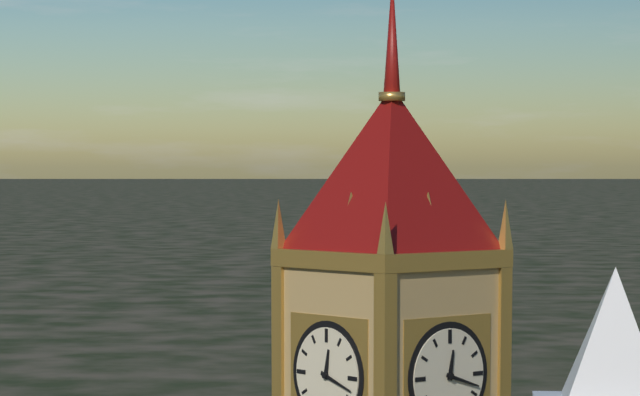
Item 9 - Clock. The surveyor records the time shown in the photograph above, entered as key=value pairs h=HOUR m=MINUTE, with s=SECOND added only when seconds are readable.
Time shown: h=12 m=18
